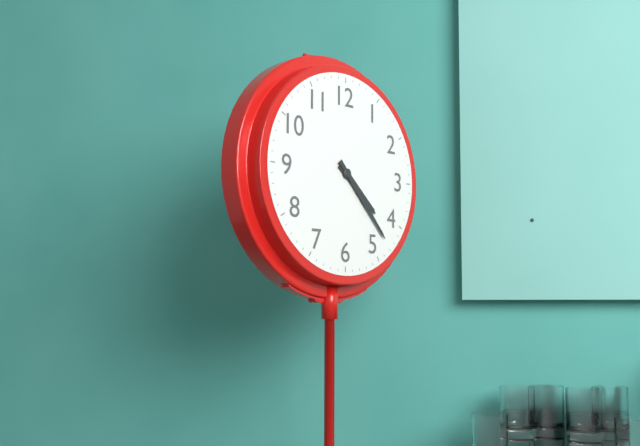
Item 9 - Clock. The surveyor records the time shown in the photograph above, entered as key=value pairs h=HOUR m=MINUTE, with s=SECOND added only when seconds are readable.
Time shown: h=4 m=23
